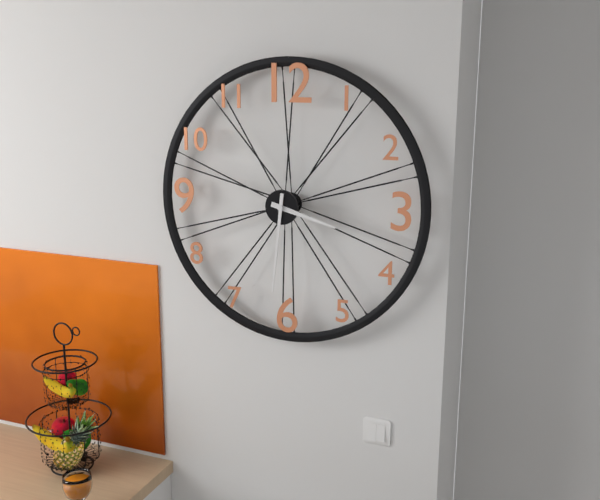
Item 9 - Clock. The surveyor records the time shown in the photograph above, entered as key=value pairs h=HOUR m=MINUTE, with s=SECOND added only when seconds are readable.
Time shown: h=3 m=31
